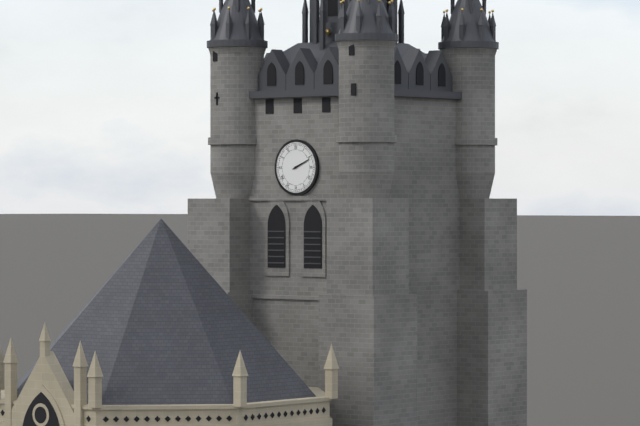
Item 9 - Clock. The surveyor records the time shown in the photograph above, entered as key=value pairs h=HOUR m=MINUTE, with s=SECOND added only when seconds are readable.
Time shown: h=2 m=11
